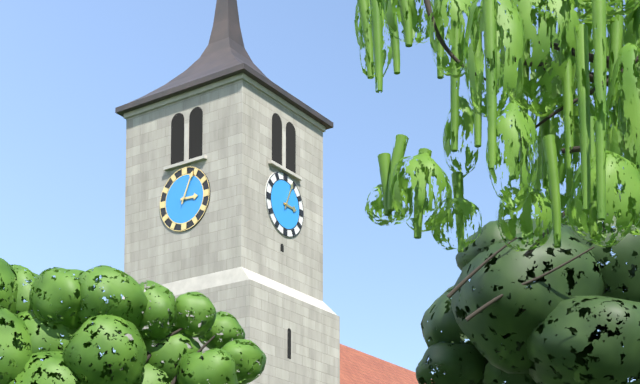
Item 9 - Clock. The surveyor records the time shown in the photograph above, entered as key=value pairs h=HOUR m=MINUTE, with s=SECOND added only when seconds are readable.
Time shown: h=3 m=4
